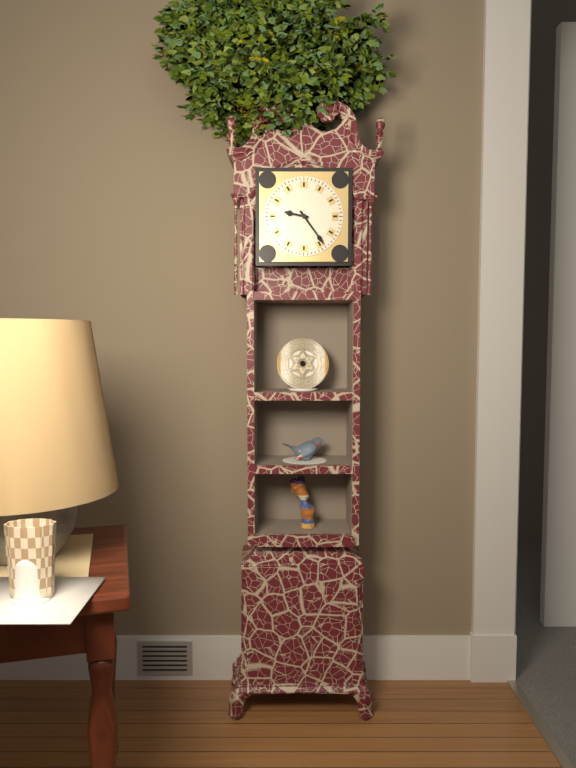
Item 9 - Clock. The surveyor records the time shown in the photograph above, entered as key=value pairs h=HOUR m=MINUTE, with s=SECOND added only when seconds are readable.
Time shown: h=9 m=24
